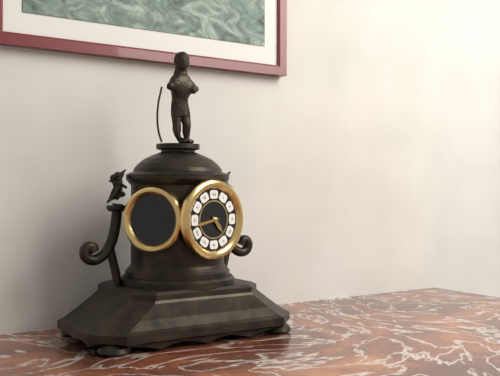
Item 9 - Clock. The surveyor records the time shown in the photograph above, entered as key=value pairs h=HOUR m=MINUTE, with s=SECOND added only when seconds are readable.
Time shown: h=4 m=43
